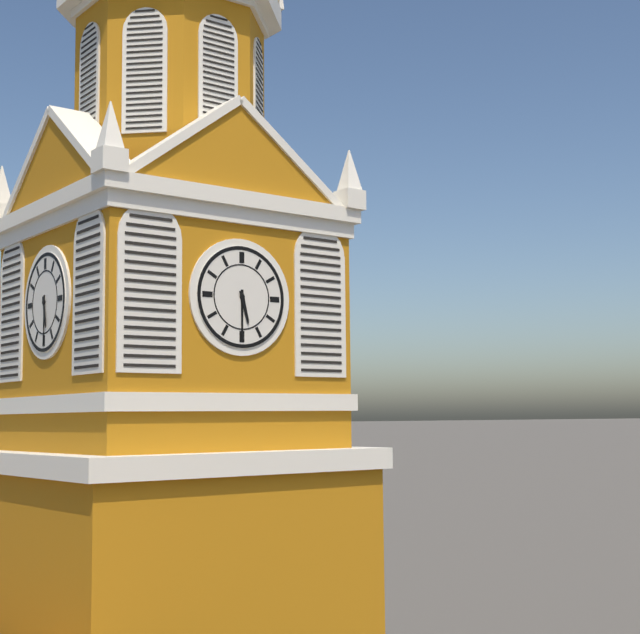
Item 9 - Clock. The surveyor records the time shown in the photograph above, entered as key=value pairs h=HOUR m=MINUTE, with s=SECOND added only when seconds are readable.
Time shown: h=5 m=30
